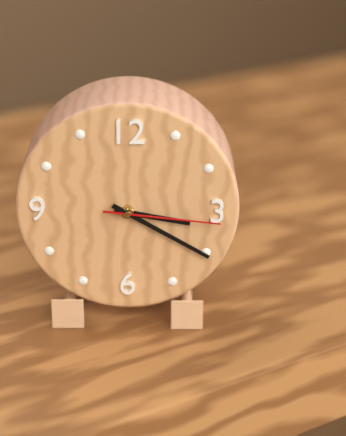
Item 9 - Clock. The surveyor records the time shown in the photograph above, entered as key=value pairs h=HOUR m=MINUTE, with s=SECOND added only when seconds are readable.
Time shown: h=3 m=20 s=16
